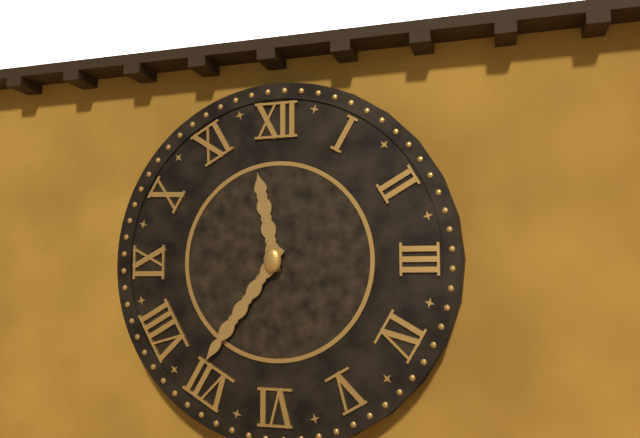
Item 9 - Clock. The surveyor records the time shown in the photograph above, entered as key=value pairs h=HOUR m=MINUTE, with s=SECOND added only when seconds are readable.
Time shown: h=11 m=36
